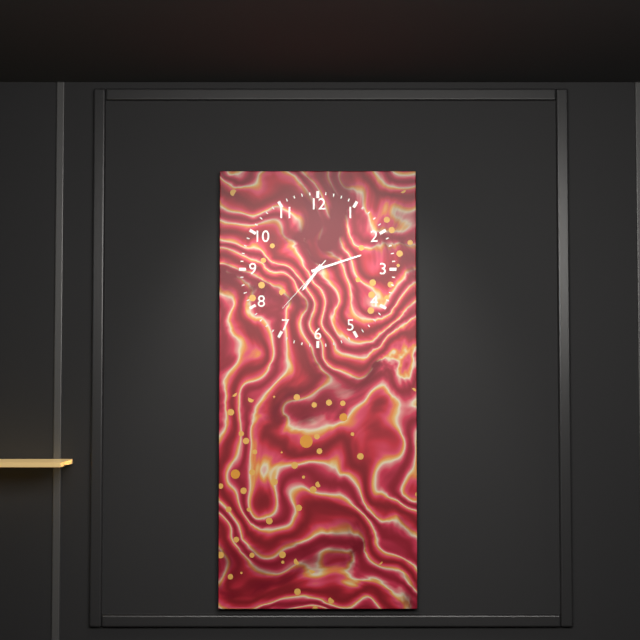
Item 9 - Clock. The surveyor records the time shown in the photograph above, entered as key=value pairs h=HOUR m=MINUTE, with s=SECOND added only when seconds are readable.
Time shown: h=7 m=12 s=37
